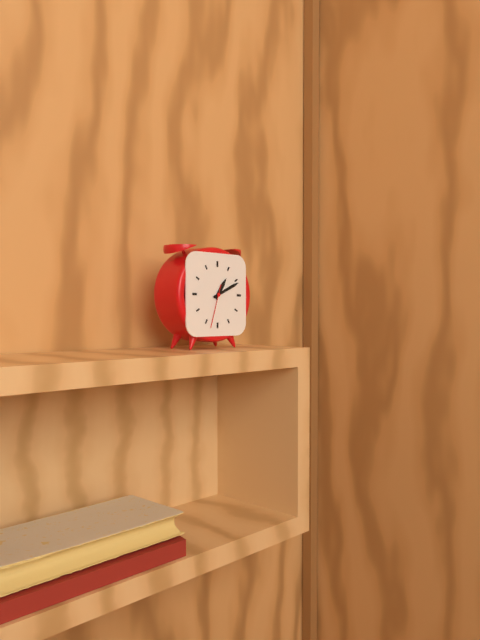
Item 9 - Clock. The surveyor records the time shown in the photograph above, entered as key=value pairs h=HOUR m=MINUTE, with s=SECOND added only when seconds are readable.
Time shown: h=1 m=11
